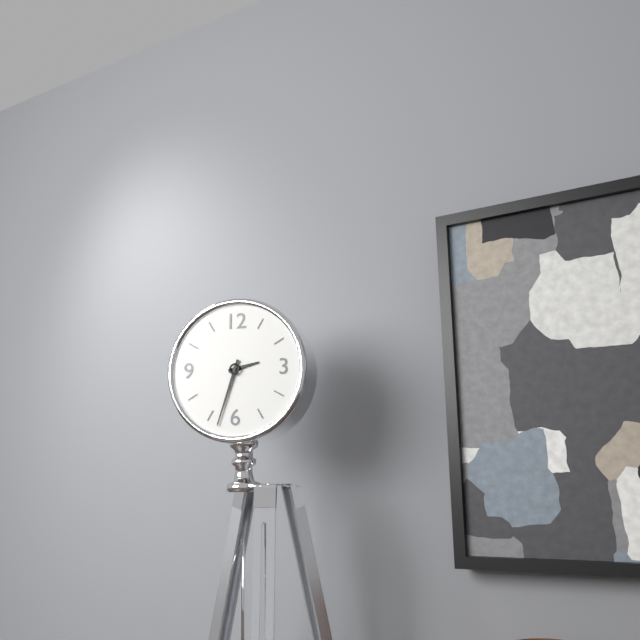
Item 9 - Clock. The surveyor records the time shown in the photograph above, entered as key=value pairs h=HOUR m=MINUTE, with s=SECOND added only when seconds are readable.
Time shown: h=2 m=33
